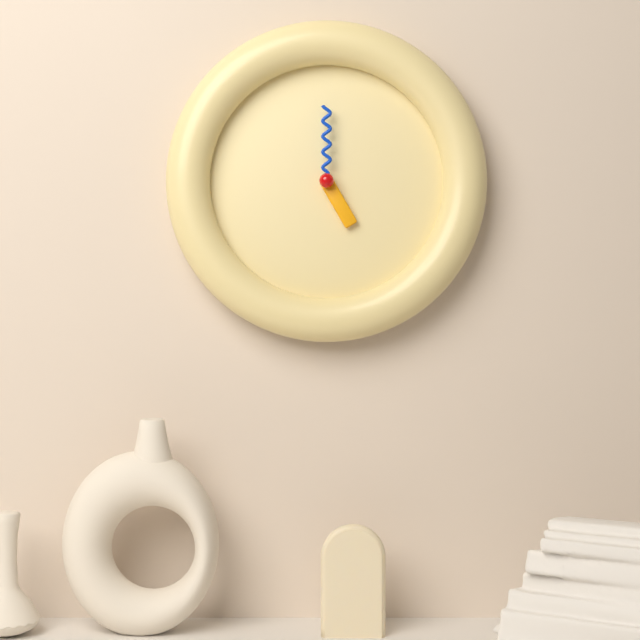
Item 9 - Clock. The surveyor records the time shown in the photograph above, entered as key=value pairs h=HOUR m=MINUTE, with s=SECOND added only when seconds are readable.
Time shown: h=5 m=0
